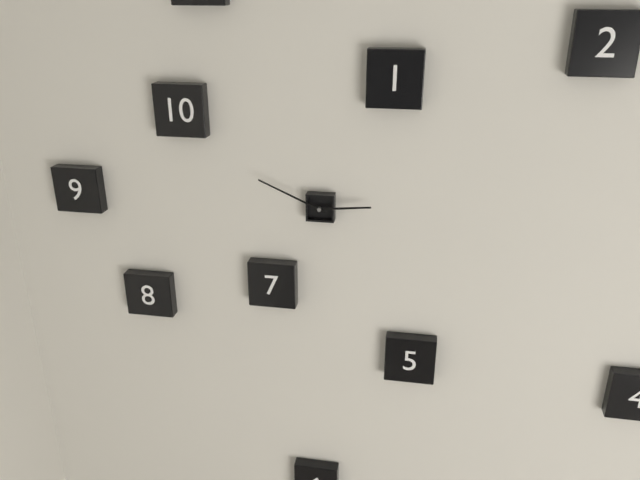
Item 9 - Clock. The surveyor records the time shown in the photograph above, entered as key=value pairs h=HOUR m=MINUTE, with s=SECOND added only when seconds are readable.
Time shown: h=2 m=49
